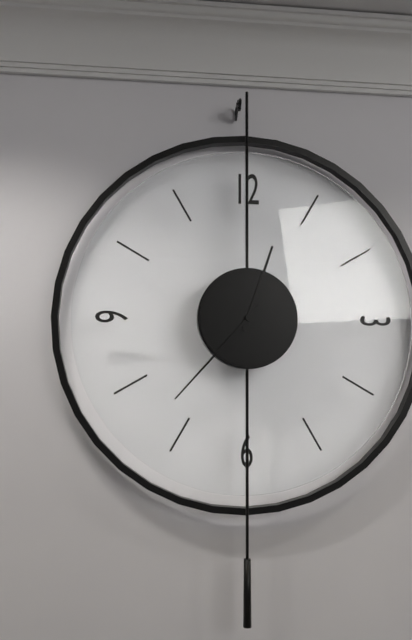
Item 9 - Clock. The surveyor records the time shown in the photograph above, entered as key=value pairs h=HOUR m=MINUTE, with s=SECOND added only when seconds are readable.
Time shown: h=12 m=37
